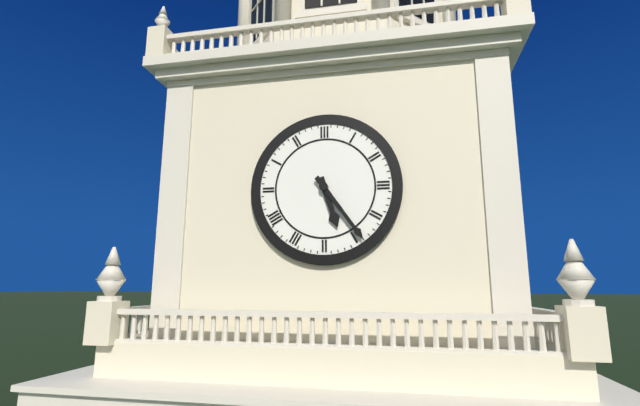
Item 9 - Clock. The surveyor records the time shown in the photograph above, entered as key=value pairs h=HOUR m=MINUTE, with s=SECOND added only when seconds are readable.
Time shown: h=5 m=24
